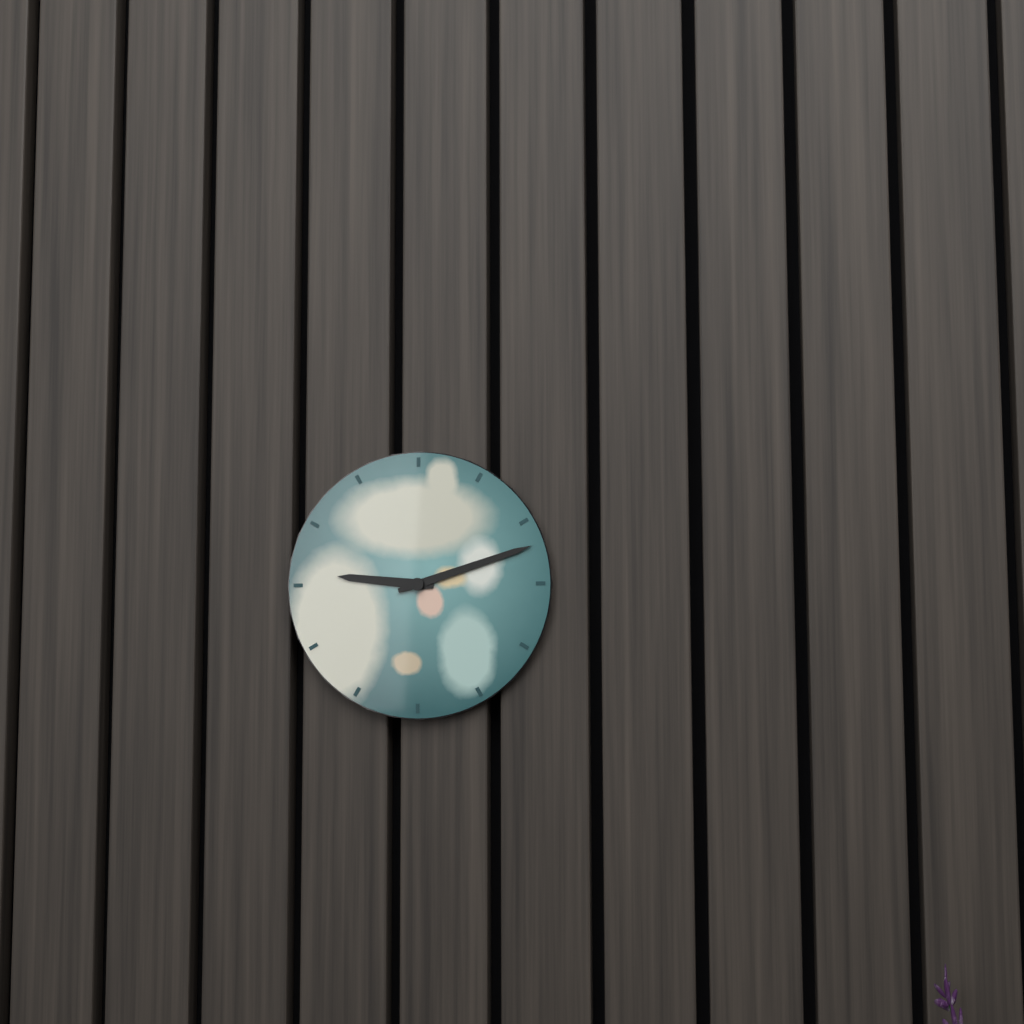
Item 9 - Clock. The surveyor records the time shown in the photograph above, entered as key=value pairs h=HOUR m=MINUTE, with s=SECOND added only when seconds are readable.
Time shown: h=9 m=12
